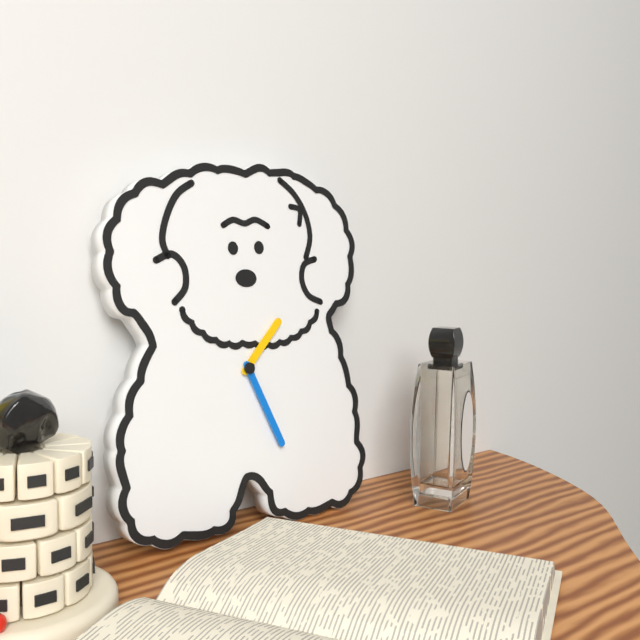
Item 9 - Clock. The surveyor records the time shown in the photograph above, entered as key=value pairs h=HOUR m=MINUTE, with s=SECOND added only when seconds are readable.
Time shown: h=1 m=26
